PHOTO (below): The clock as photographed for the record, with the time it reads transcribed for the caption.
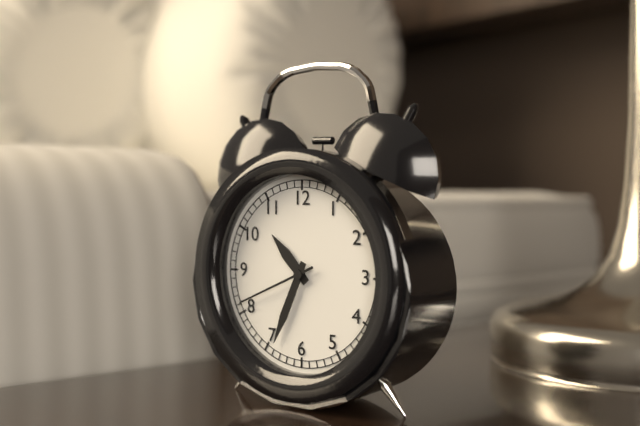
10:34:41
